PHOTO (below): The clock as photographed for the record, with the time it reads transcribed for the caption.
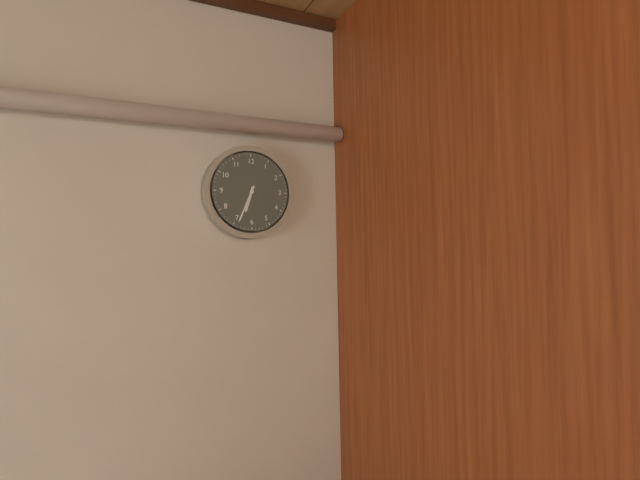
6:34
